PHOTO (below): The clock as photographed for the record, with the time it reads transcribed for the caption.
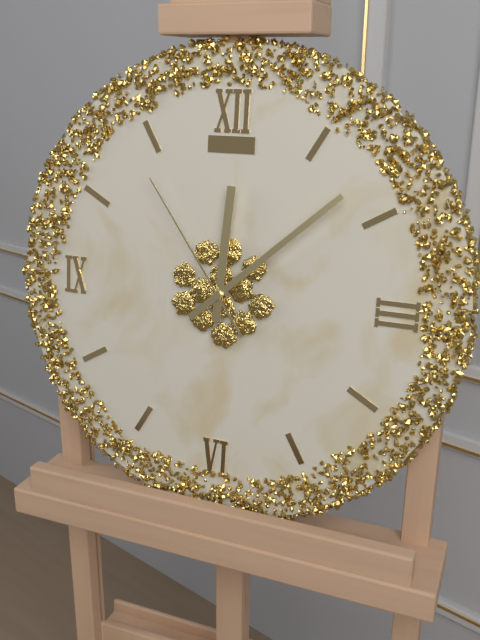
12:08:54
